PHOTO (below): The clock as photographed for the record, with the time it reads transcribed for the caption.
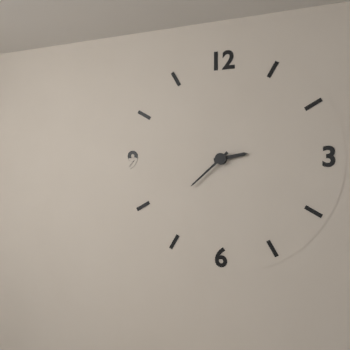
2:38
